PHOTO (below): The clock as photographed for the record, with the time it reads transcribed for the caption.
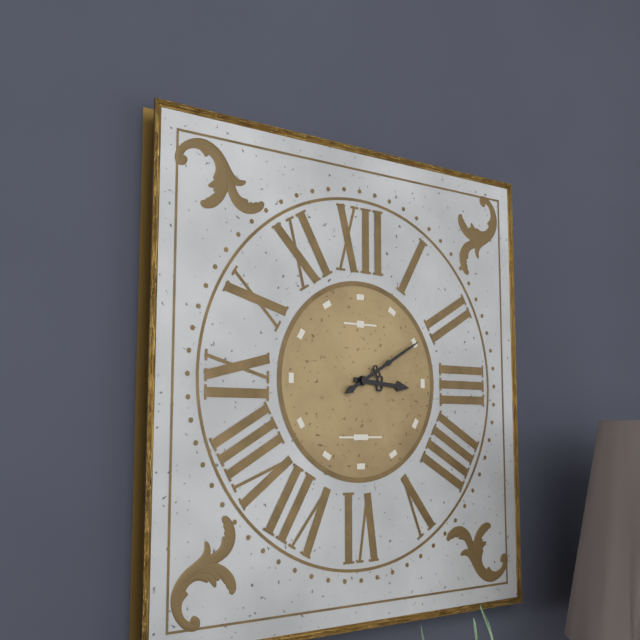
3:10
